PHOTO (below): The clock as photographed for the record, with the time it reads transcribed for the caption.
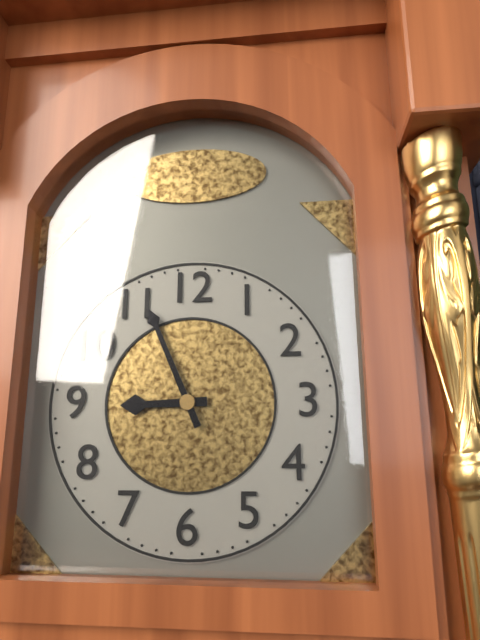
8:56
